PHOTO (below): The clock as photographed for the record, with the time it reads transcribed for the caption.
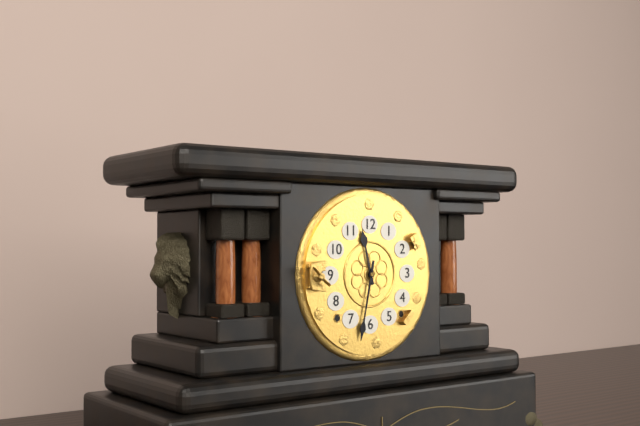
11:32
